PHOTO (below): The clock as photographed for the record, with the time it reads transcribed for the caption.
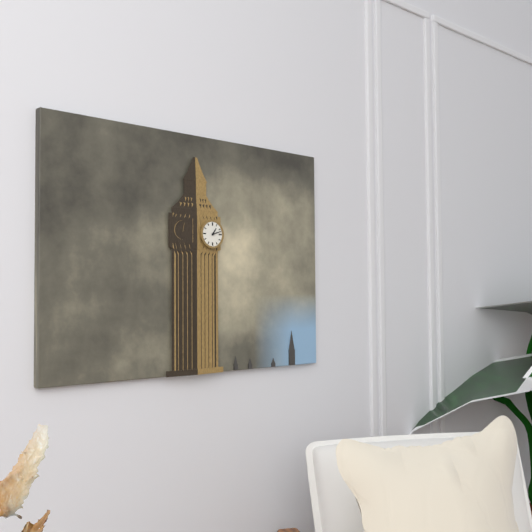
1:12
